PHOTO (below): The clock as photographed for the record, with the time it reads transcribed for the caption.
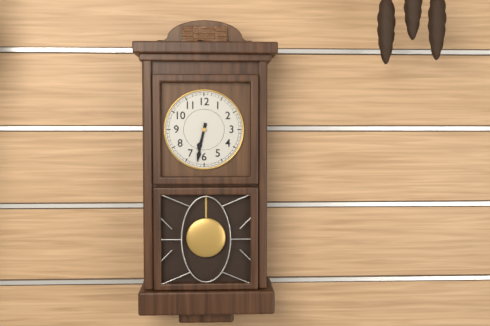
6:32
